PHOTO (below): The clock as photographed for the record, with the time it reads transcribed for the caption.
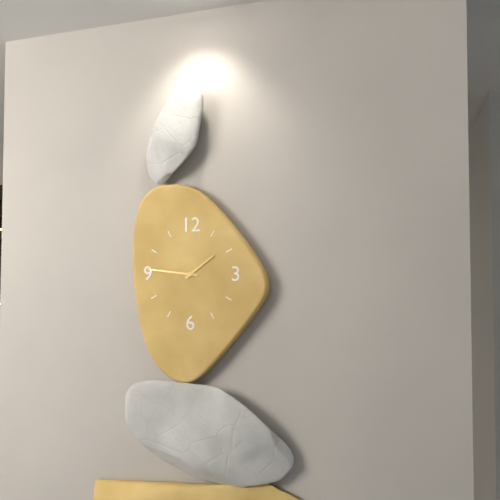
1:46
